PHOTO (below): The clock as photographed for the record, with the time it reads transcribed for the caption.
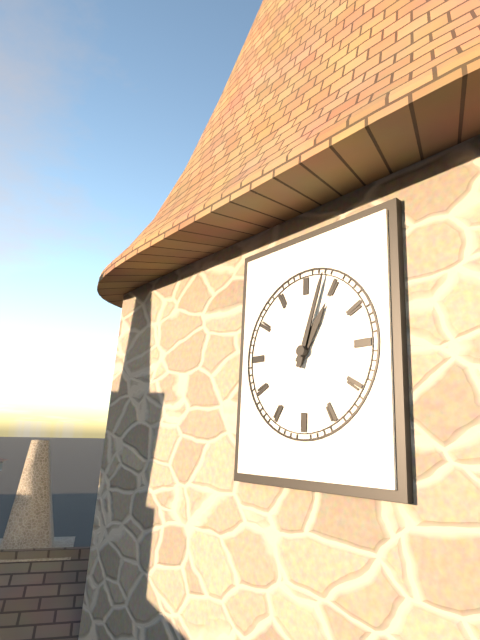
1:03
